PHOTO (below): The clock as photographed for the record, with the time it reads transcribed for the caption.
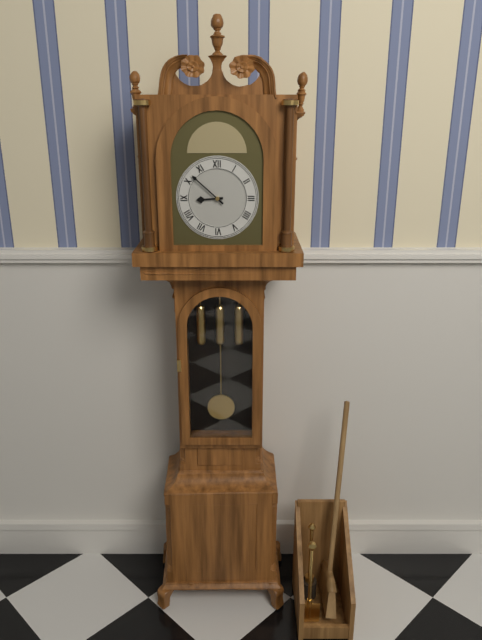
8:52
